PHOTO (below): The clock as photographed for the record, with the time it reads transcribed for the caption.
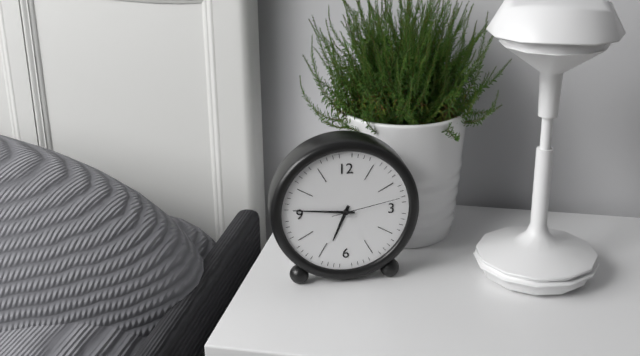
6:46:13
